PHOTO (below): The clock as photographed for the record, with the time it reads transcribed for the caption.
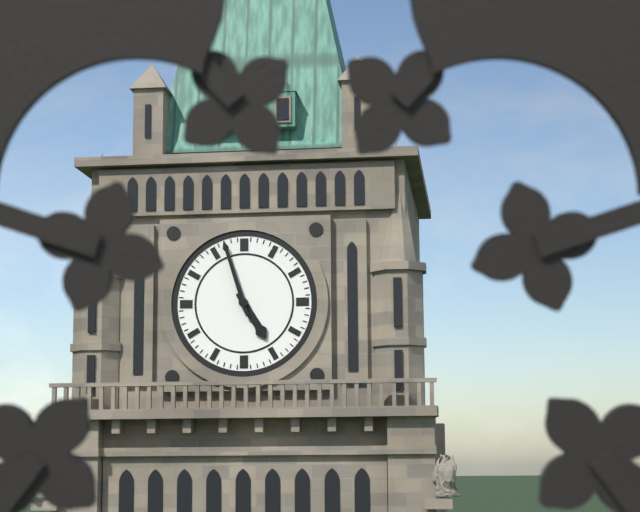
4:57
